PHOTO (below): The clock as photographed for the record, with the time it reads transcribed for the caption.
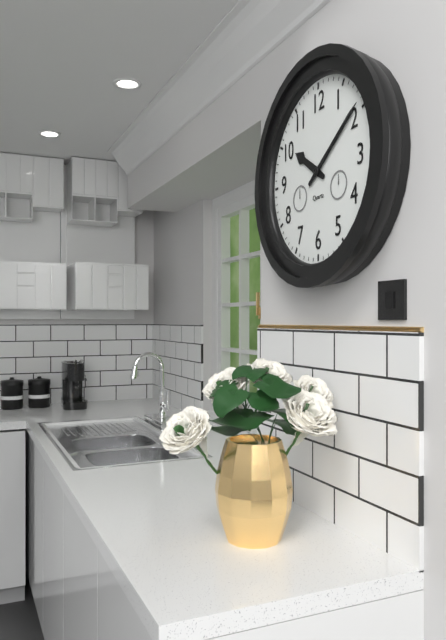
10:09
